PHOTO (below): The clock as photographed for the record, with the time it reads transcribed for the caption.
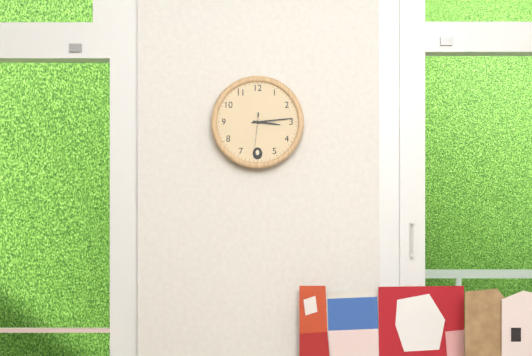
3:14
